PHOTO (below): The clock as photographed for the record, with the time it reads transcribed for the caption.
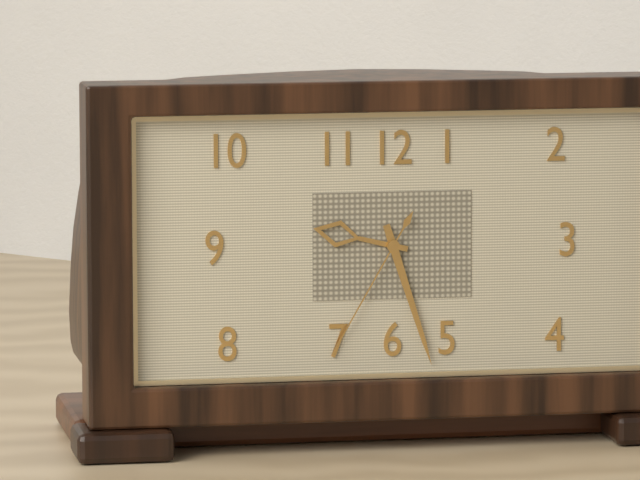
9:27:35
